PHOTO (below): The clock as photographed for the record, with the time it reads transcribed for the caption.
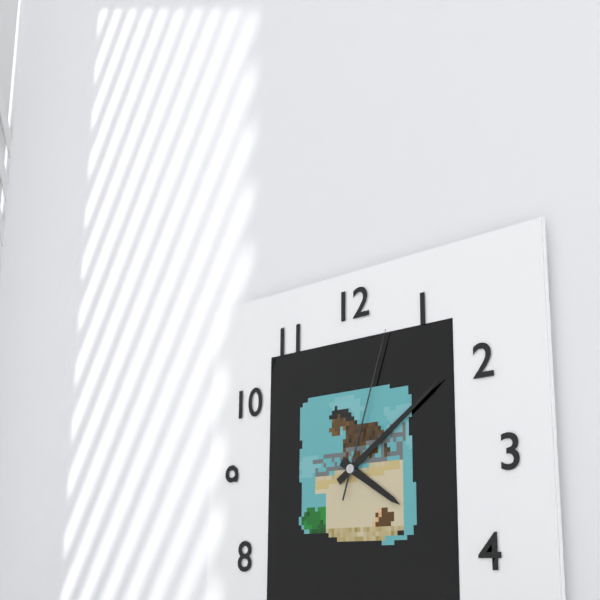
4:09:03
